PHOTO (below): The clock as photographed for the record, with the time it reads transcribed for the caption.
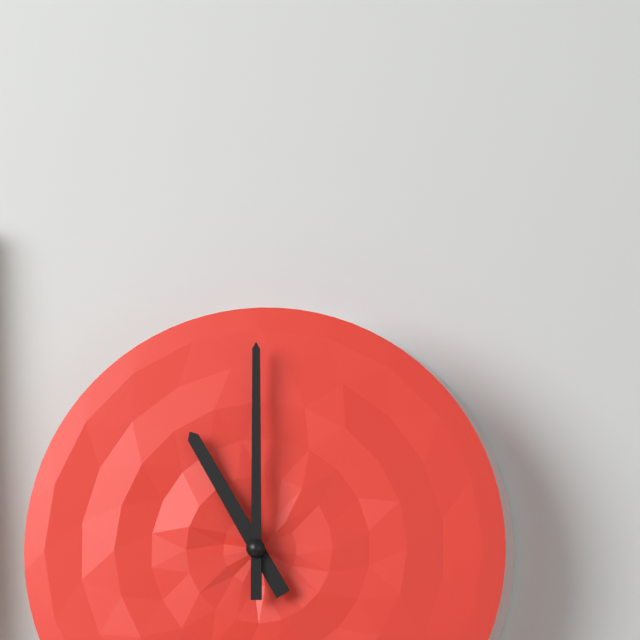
11:00
